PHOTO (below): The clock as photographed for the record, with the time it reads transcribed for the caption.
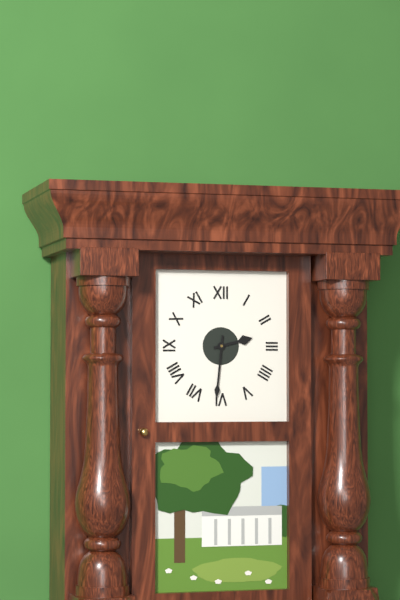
2:31
